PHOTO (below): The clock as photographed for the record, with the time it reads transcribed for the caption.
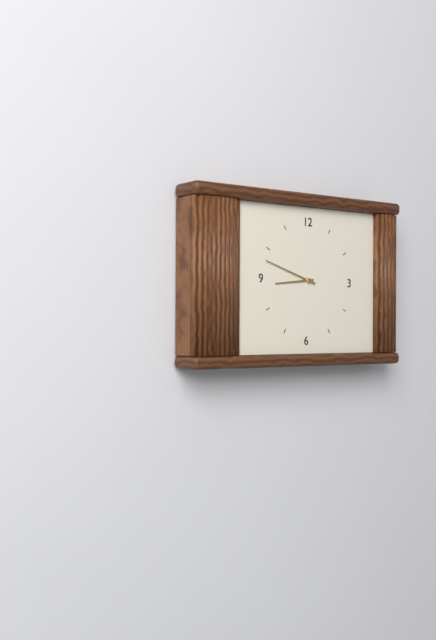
8:48
